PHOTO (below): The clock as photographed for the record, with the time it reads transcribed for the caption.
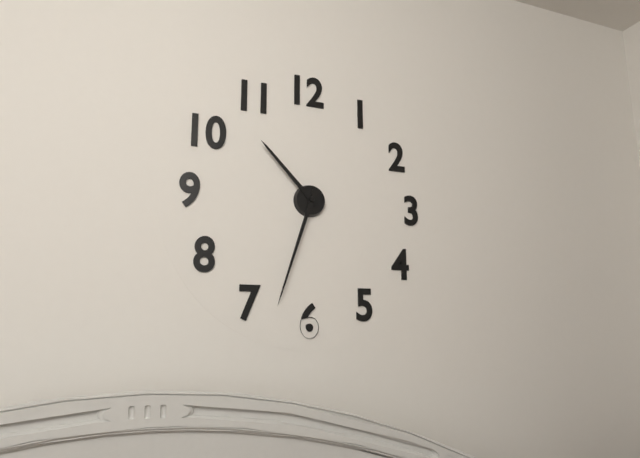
10:33
